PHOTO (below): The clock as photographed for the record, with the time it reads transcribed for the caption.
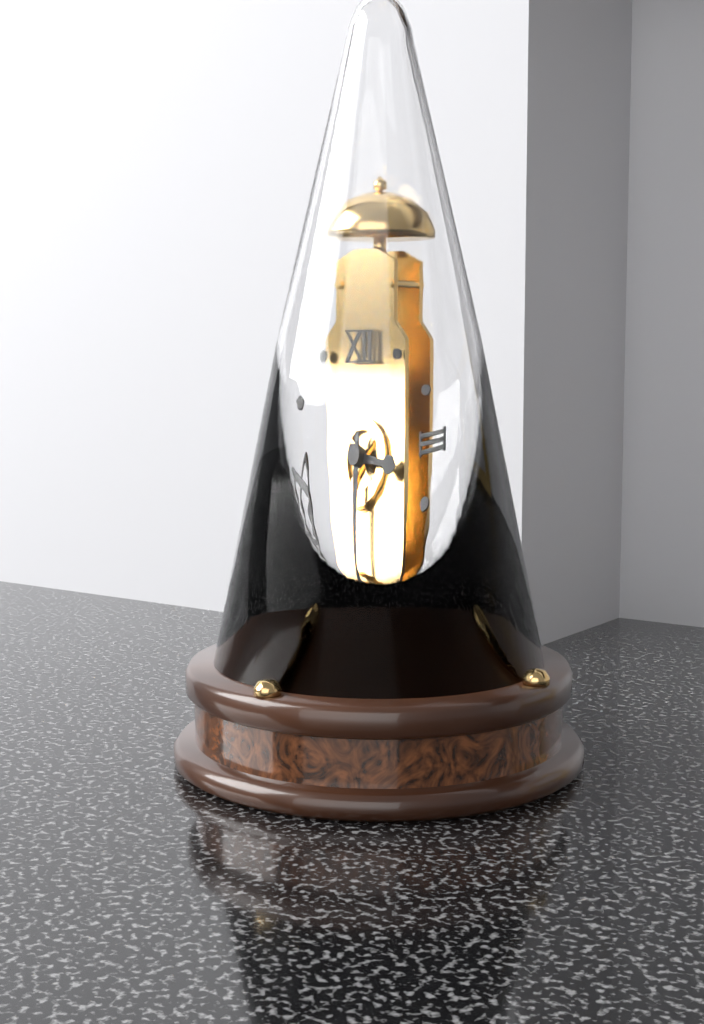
3:31
